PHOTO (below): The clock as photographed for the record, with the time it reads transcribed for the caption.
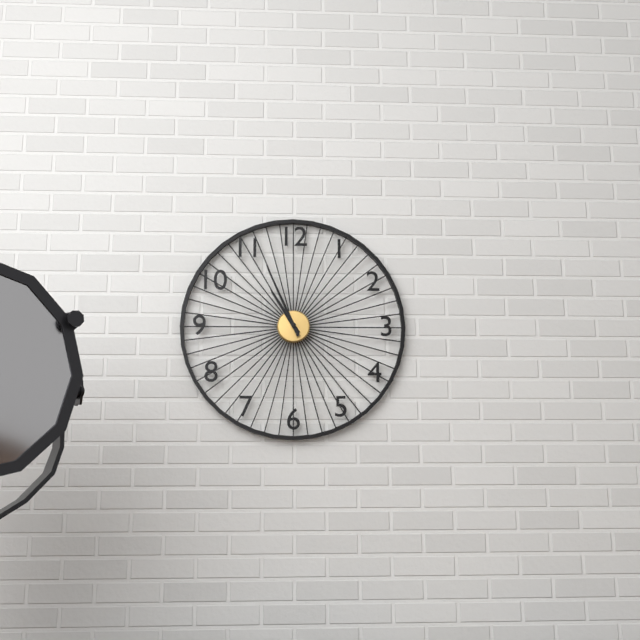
10:56
